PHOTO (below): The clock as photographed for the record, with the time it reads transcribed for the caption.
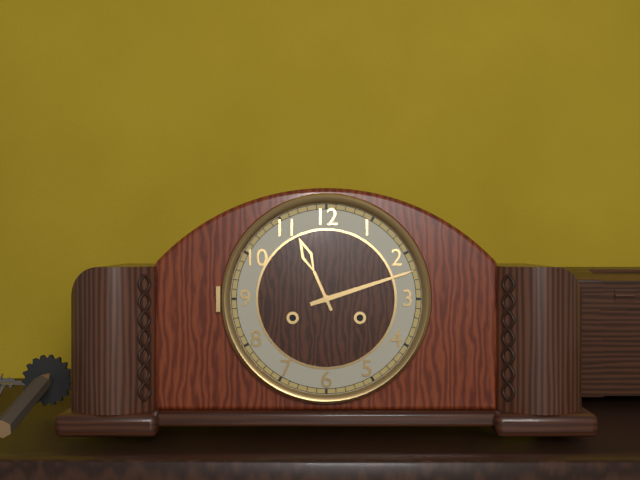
11:12
